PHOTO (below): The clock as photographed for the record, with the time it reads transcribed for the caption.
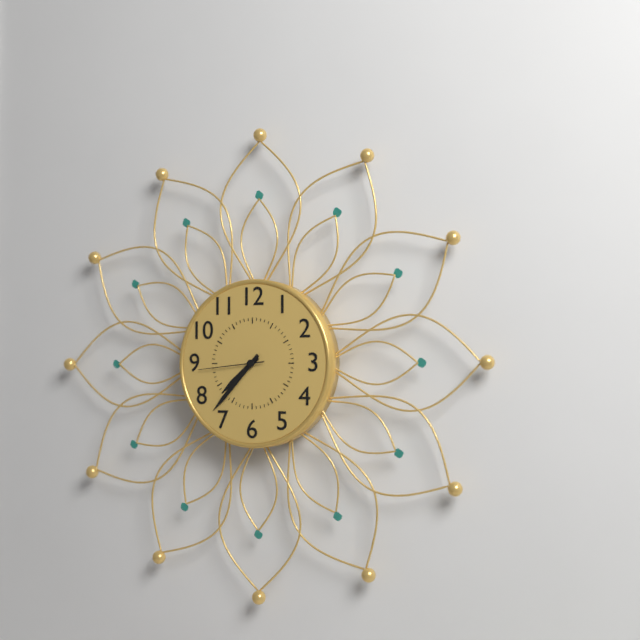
7:37:44
